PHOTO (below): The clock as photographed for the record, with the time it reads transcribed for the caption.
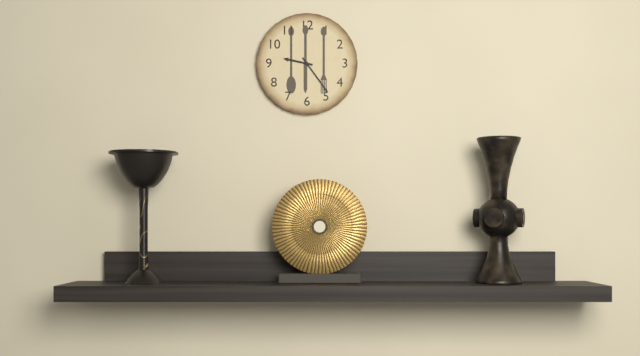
9:24
